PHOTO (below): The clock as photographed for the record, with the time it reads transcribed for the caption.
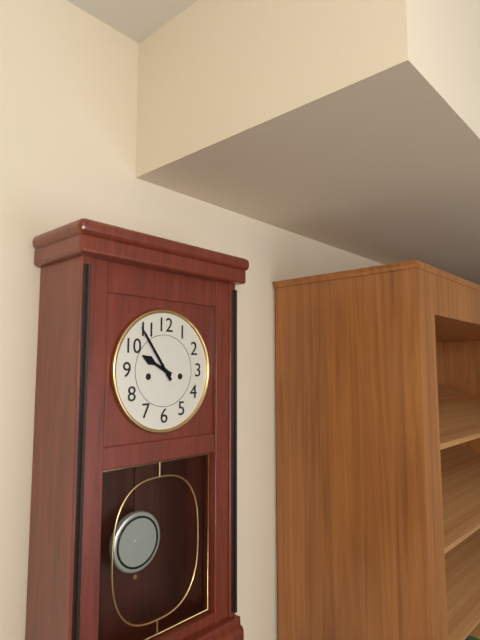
9:54
